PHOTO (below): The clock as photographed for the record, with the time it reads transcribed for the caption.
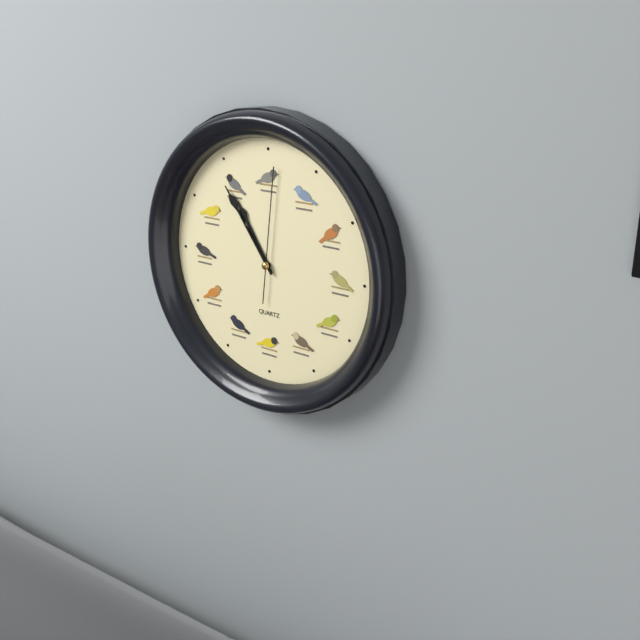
10:54:01
